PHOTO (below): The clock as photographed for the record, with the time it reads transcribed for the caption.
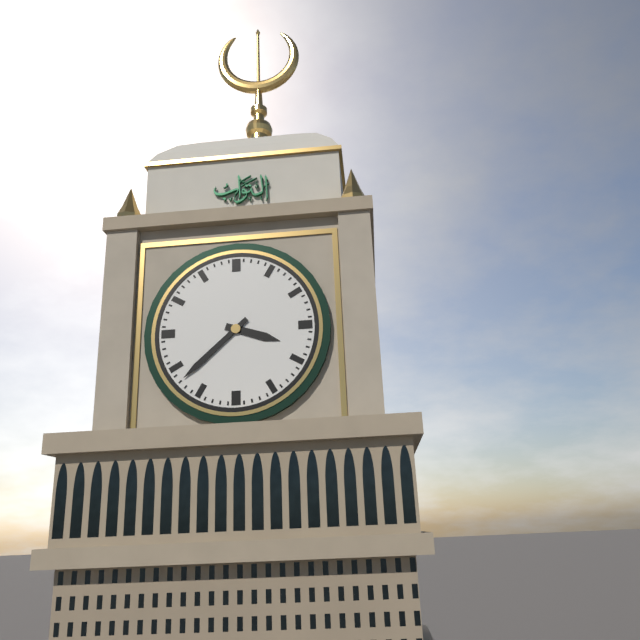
3:38
